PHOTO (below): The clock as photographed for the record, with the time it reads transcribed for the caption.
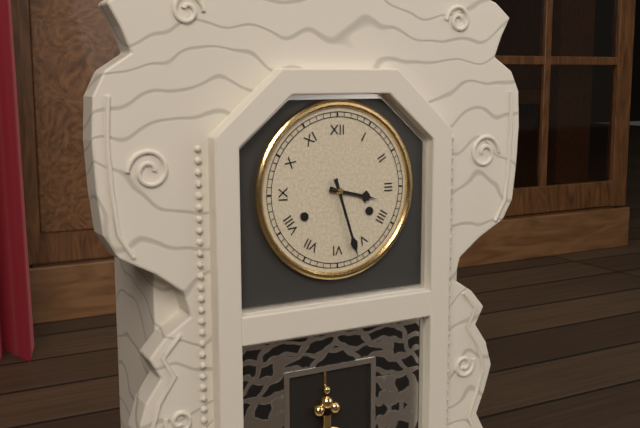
3:27
